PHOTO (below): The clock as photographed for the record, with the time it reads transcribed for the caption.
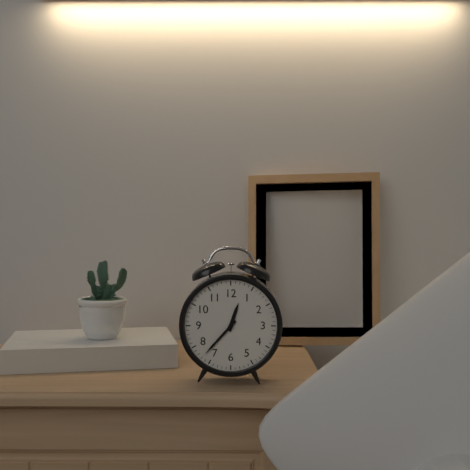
12:37
